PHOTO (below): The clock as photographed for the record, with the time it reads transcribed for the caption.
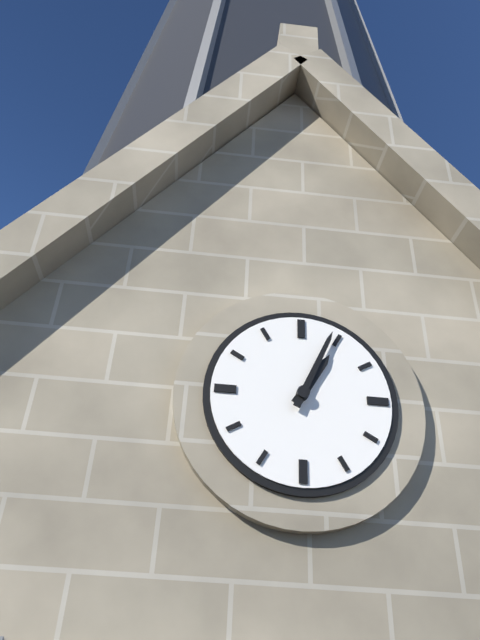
1:04
